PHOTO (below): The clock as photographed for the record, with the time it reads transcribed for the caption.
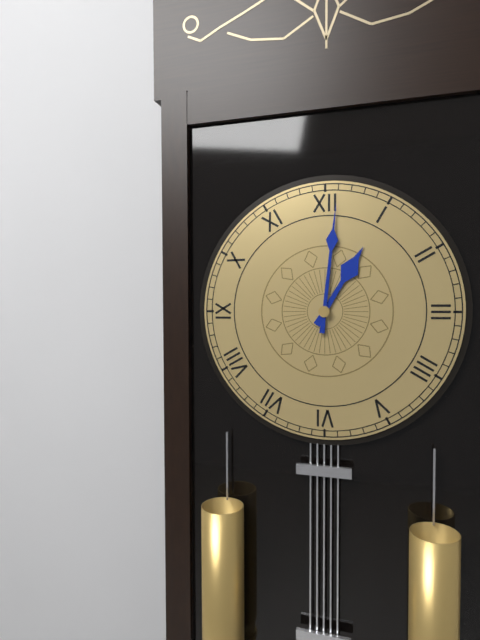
1:01
